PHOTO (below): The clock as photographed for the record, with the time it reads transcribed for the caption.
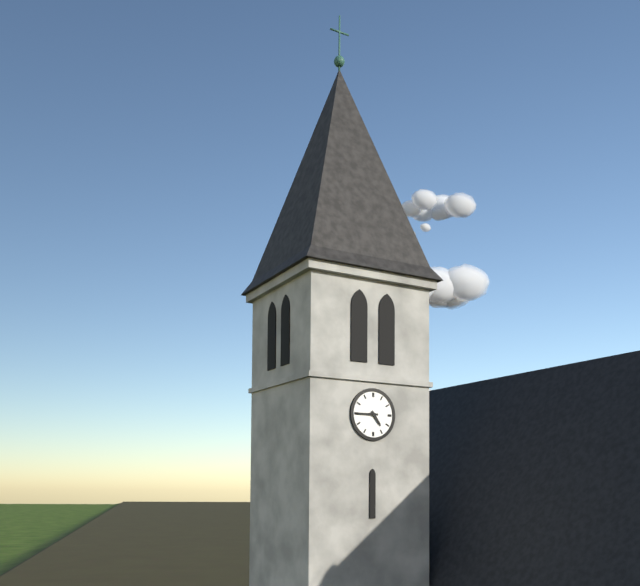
4:45
